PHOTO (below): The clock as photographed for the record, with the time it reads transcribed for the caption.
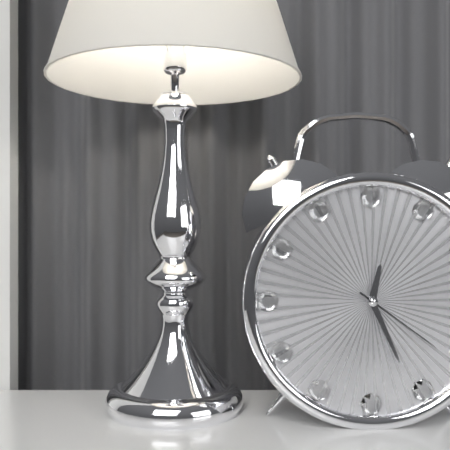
12:26:21
